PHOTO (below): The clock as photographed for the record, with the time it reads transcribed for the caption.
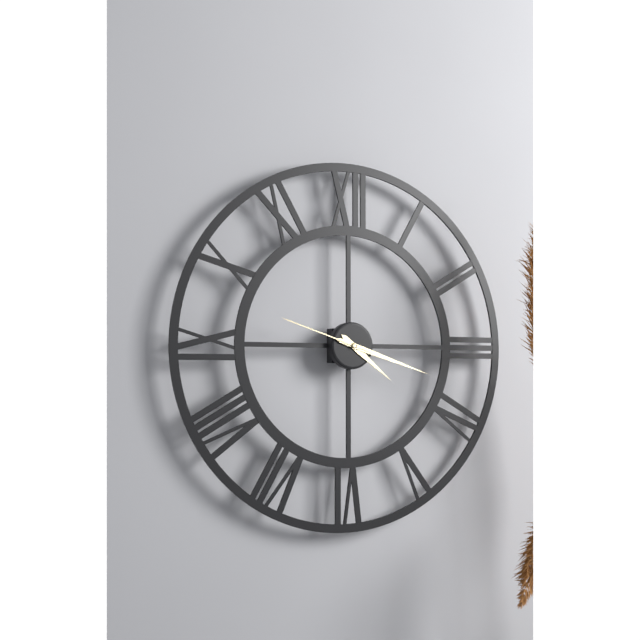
4:18:48
